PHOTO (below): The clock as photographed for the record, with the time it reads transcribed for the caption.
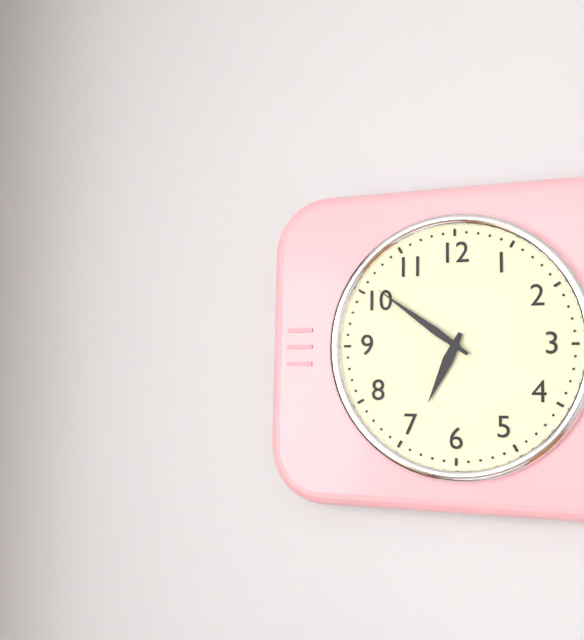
6:51
